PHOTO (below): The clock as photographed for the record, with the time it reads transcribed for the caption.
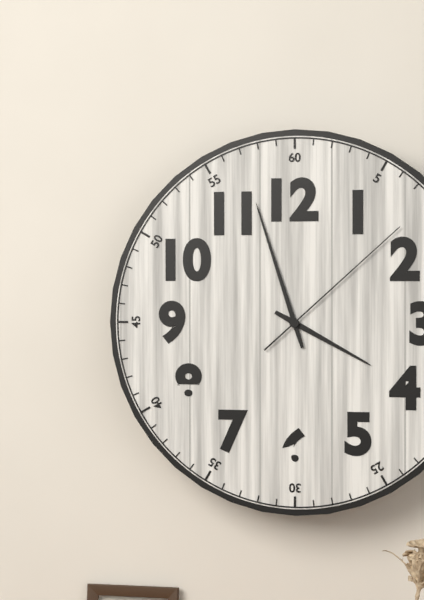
3:57:08
